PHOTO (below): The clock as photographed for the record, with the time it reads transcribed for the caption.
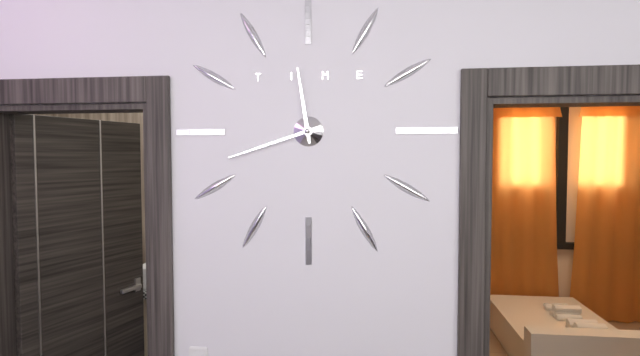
11:42
